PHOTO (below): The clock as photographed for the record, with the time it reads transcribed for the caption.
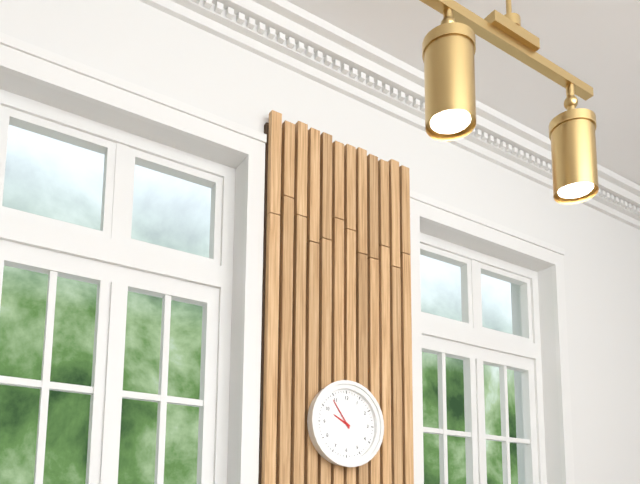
9:54
